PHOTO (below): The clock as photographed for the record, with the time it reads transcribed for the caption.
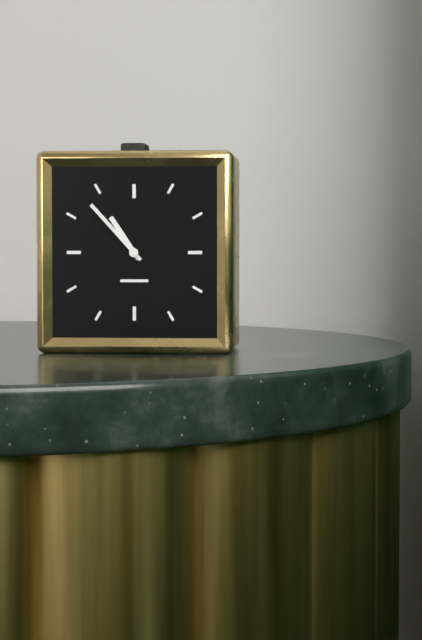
10:53
